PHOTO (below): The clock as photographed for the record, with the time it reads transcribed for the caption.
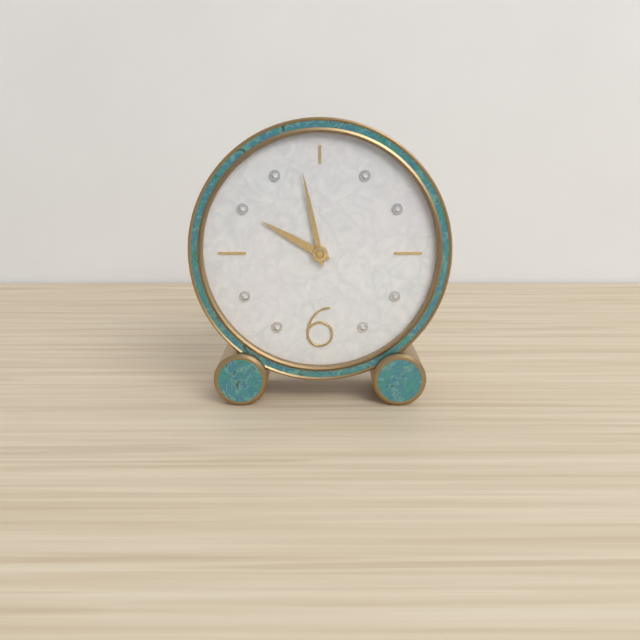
9:58
